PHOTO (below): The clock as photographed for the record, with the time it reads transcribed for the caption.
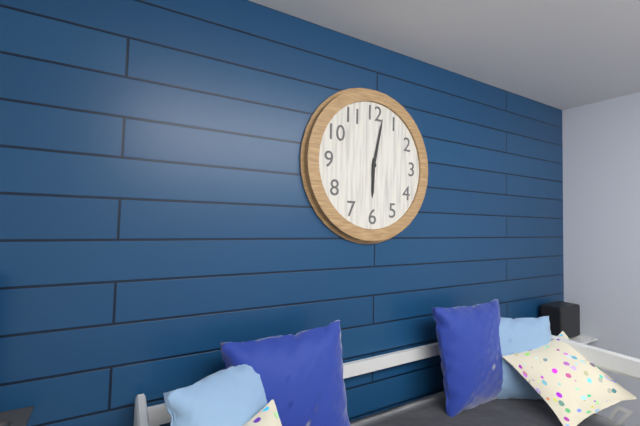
6:02
